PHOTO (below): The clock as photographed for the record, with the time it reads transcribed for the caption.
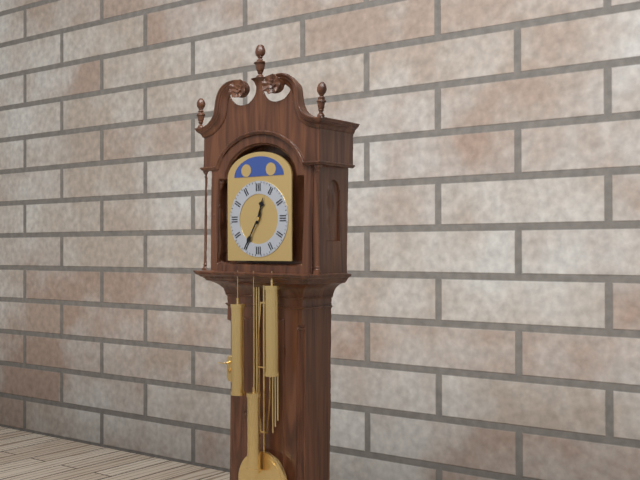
12:35
